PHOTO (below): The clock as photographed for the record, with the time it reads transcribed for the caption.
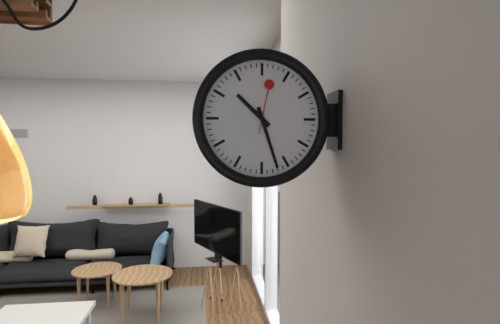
10:27:02
